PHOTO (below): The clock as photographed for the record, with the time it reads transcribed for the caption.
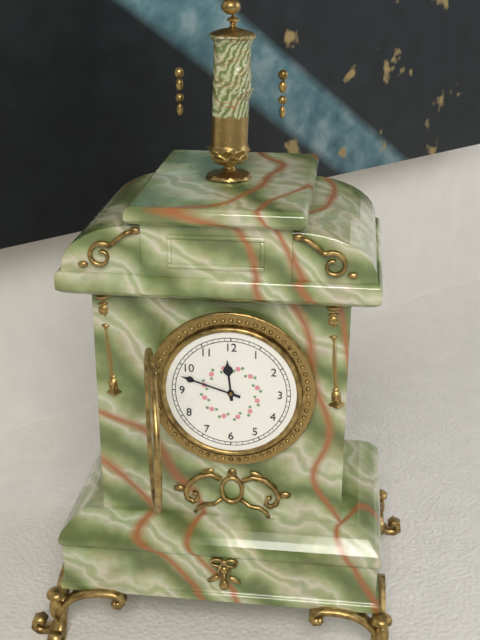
11:48
